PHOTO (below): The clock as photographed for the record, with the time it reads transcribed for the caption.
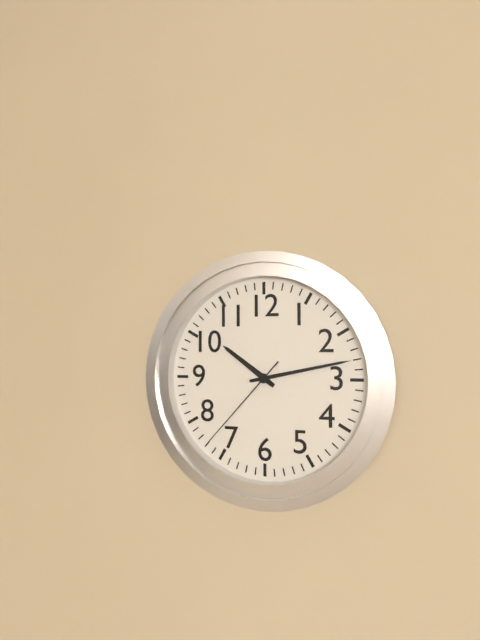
10:13:37
